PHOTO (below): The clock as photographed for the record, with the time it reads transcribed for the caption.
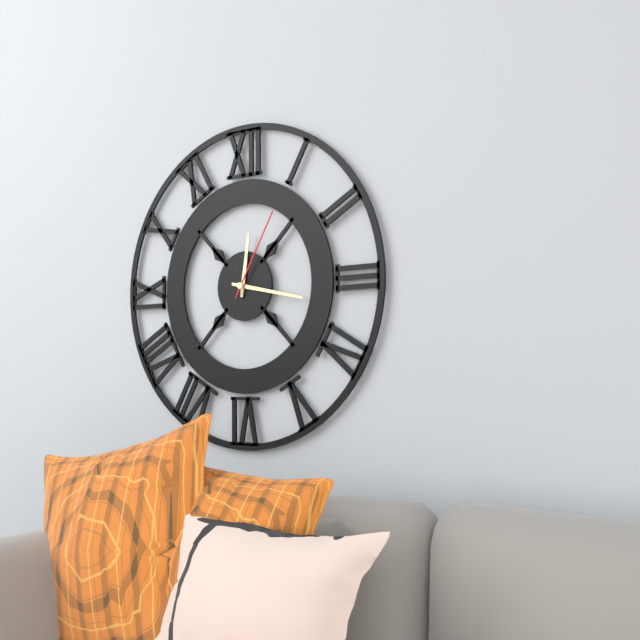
12:17:05
